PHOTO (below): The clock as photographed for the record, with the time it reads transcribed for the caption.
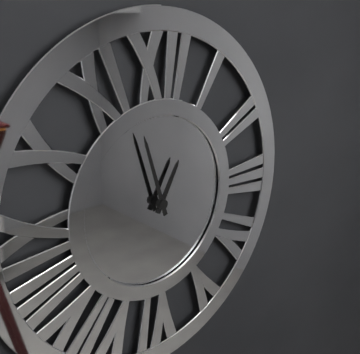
12:57
